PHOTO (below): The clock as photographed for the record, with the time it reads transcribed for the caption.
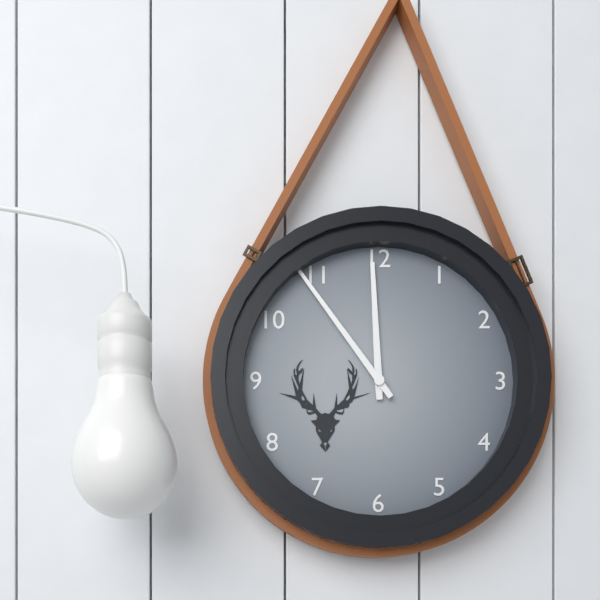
11:54
